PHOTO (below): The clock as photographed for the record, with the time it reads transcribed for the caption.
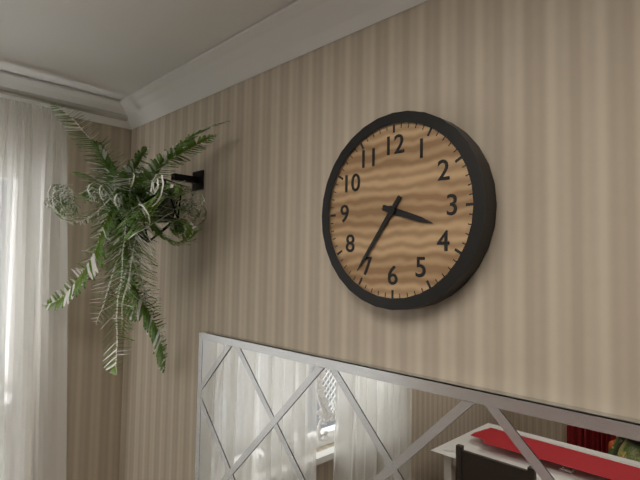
3:36
